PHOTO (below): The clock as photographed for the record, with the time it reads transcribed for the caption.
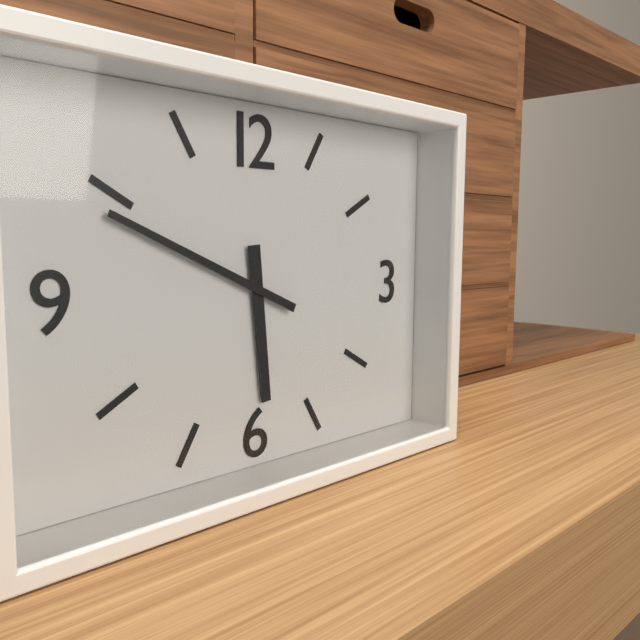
5:49
